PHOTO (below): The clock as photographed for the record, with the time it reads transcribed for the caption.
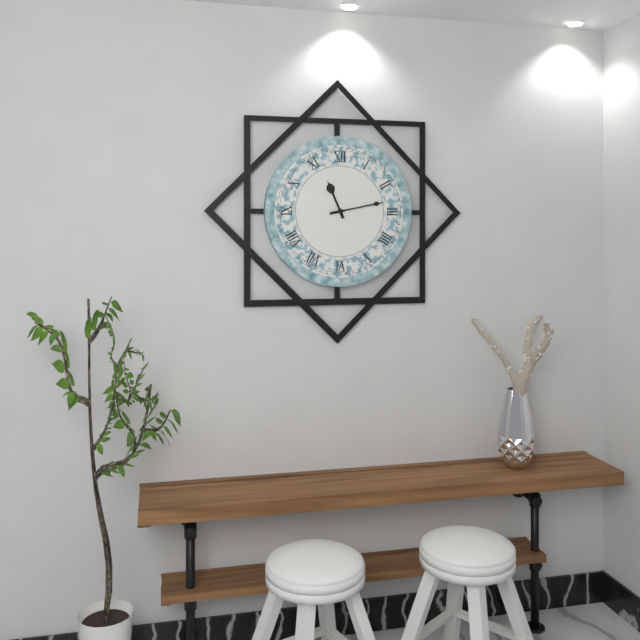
11:13
